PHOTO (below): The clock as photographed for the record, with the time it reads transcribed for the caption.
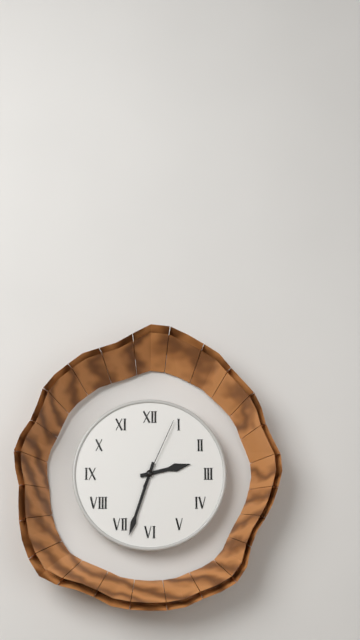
2:33:04
